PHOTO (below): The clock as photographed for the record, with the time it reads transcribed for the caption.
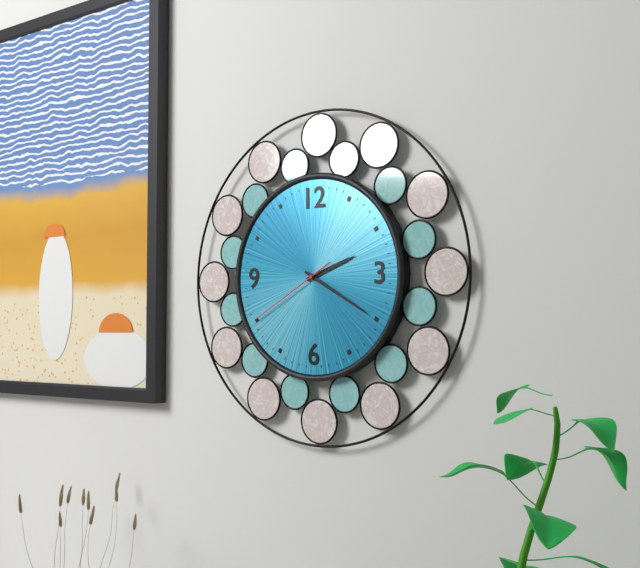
2:20:40
